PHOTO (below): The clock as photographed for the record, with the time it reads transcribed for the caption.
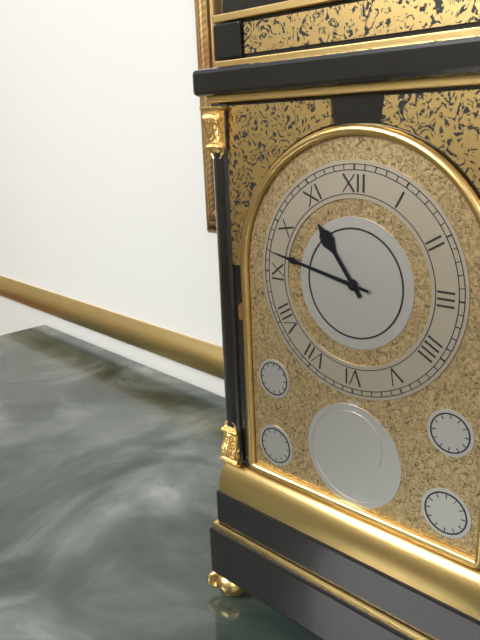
10:47
